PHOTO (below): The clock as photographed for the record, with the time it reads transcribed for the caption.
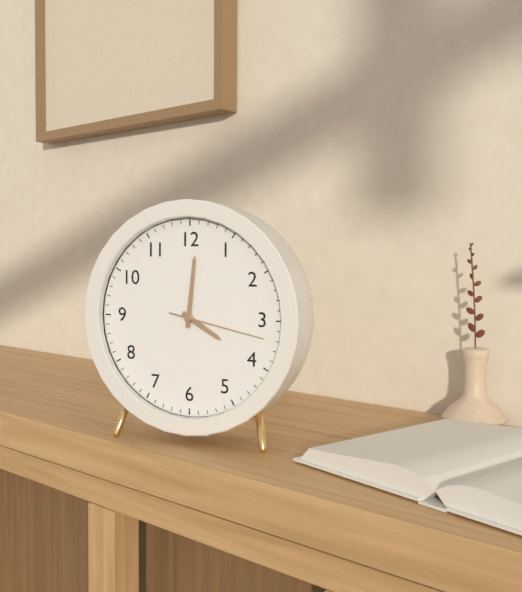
4:01:17
